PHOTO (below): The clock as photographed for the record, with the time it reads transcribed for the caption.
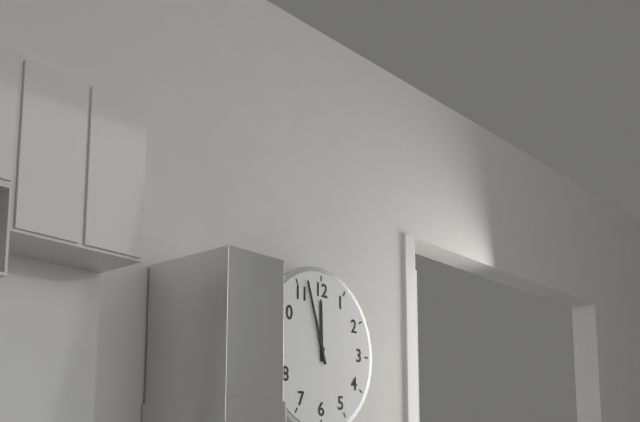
11:57
